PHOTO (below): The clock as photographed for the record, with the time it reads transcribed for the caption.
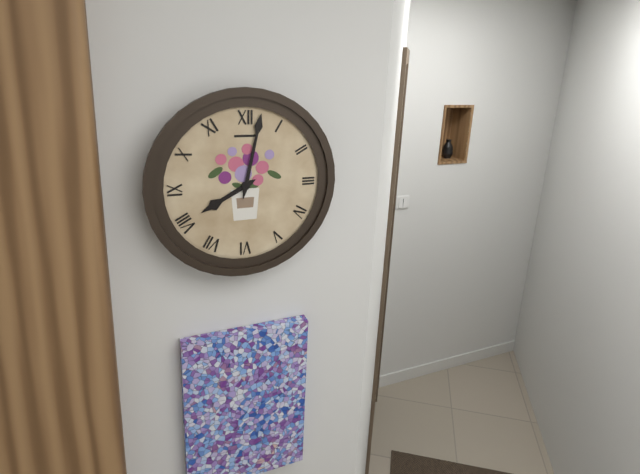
8:02
